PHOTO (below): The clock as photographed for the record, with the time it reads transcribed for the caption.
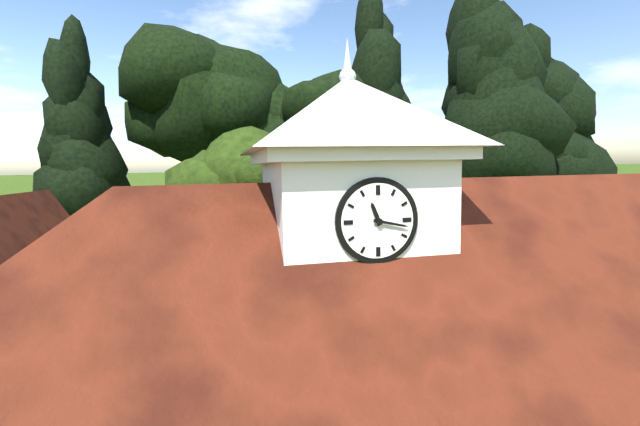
11:17
